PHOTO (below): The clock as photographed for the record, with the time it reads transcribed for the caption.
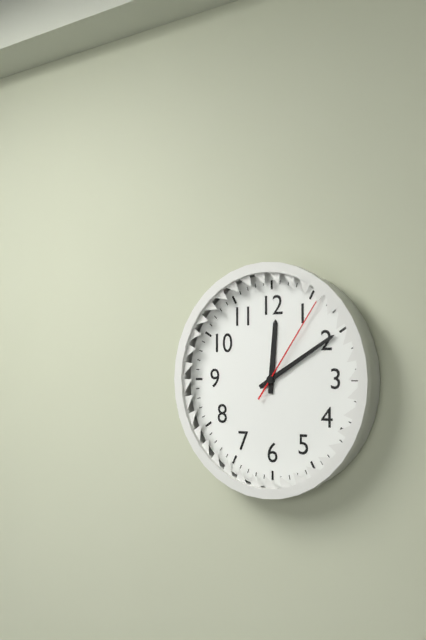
12:10:06
